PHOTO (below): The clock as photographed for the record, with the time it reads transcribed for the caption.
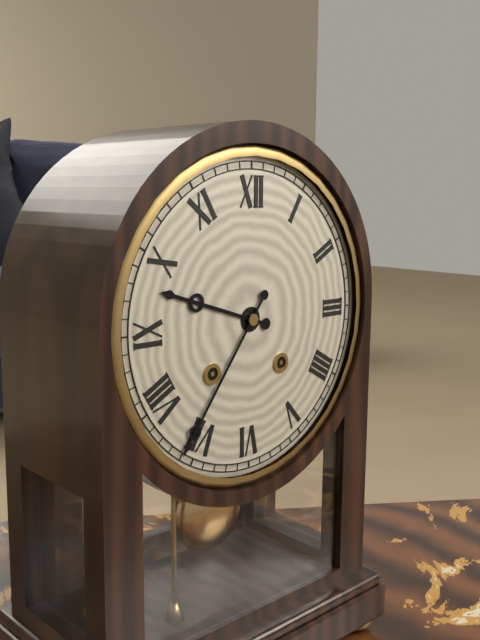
9:36
